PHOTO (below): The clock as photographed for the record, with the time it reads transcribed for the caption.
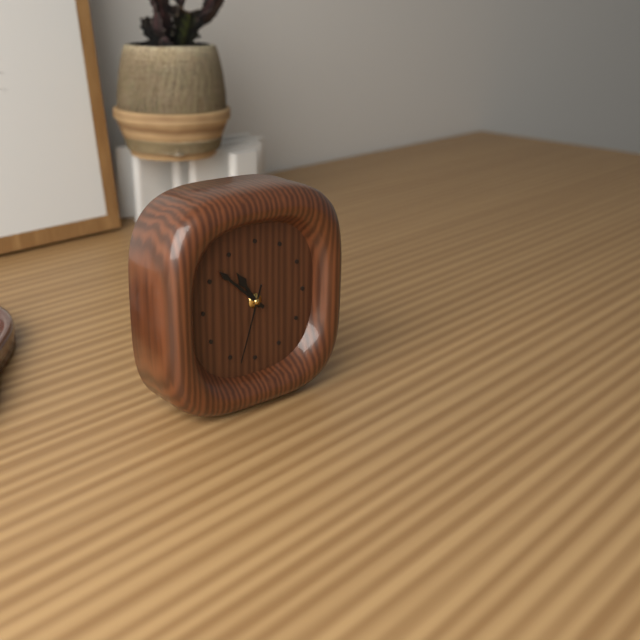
10:52:33
